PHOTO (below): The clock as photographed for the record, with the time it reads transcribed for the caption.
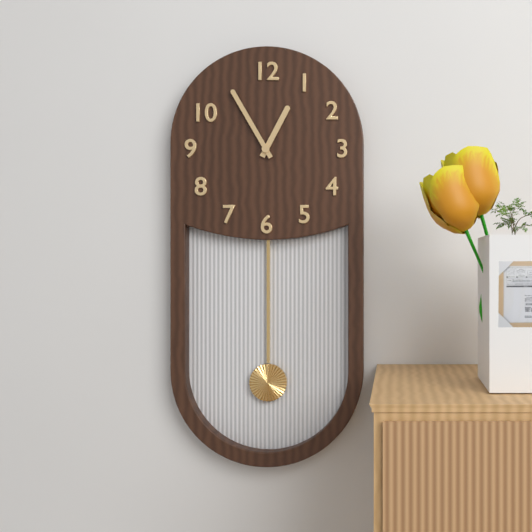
12:55
